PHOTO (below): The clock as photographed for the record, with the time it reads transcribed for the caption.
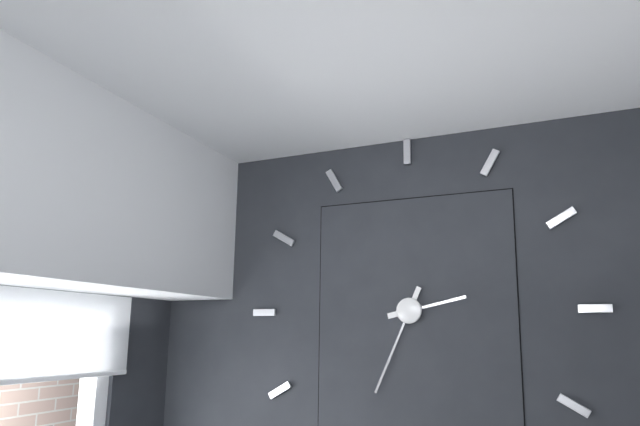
2:34
